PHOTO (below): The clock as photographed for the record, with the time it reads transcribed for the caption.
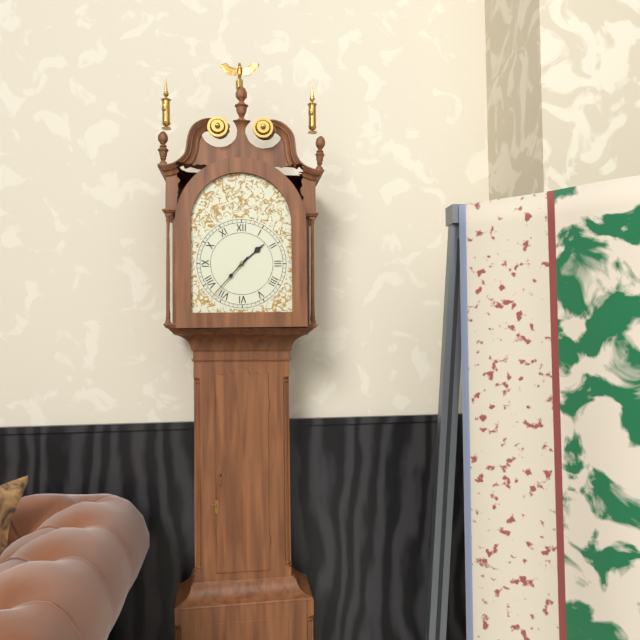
1:37
